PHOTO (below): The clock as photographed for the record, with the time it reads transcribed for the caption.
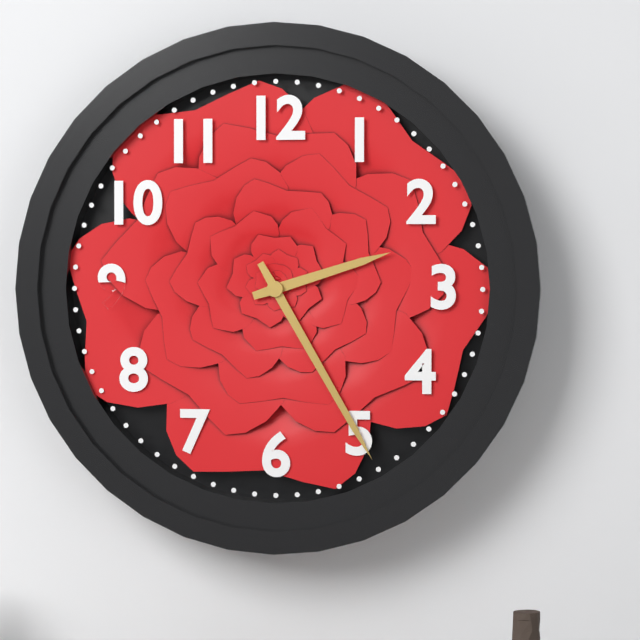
2:25
